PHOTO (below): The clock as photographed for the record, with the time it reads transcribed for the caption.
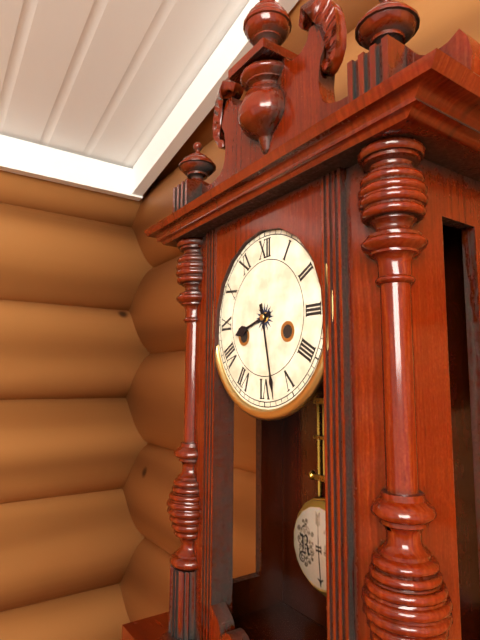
8:28
